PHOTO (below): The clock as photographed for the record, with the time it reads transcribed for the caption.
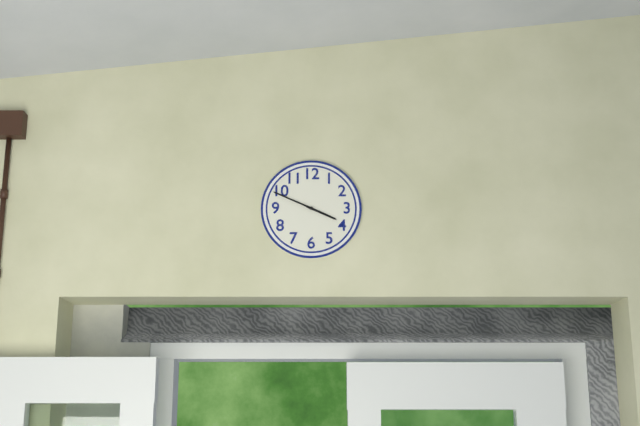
3:49
